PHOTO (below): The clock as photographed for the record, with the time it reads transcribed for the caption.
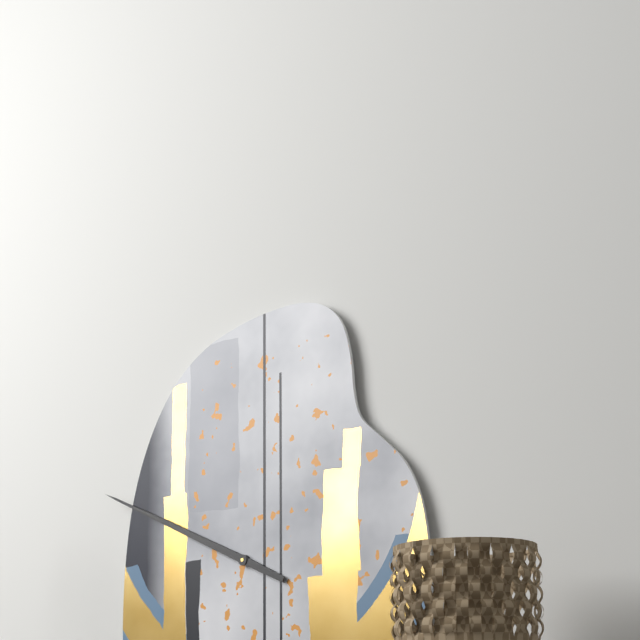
9:49
